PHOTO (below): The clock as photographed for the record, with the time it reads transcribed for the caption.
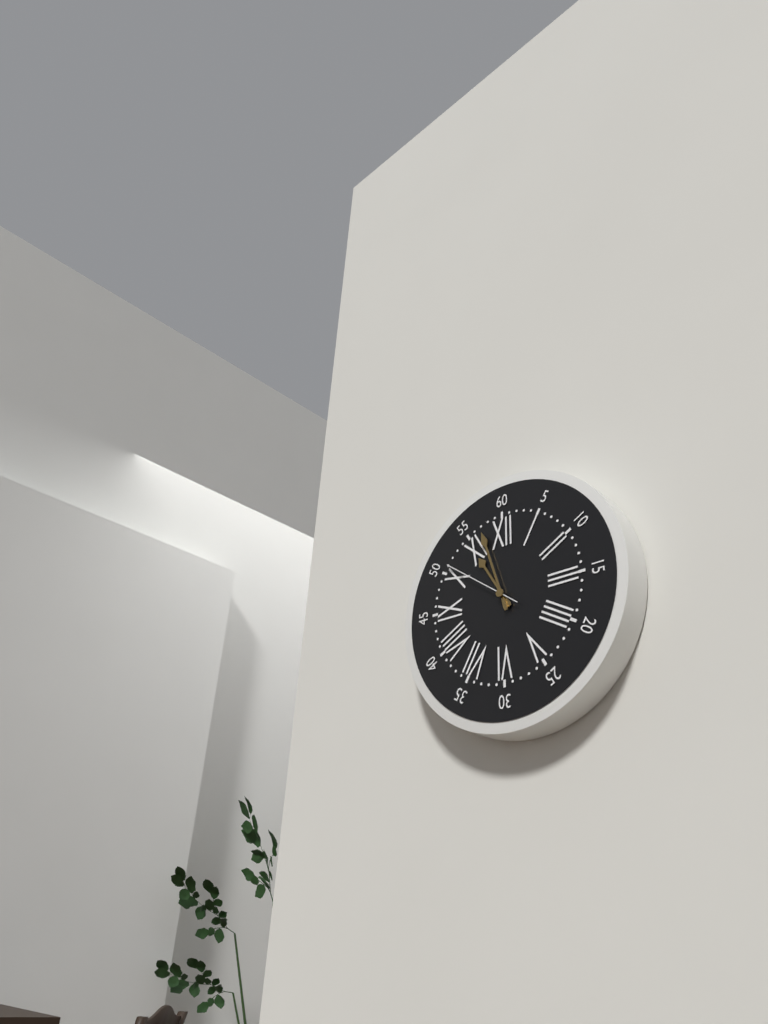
10:57:51
